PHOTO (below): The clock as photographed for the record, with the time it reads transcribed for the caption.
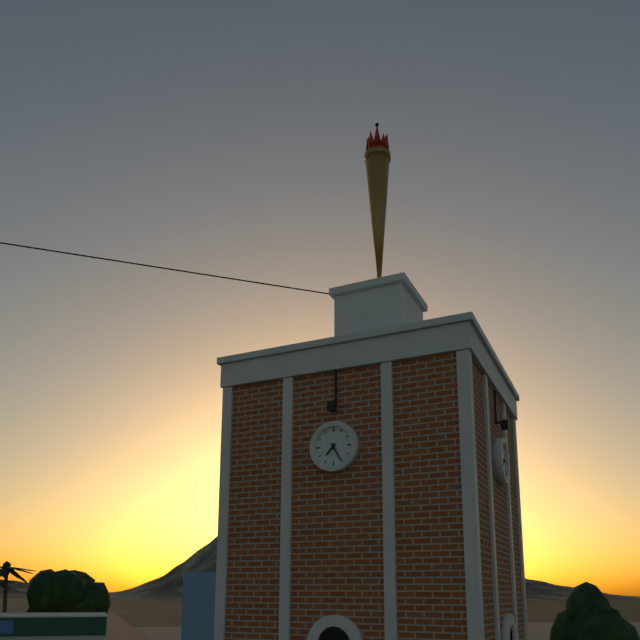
7:25
